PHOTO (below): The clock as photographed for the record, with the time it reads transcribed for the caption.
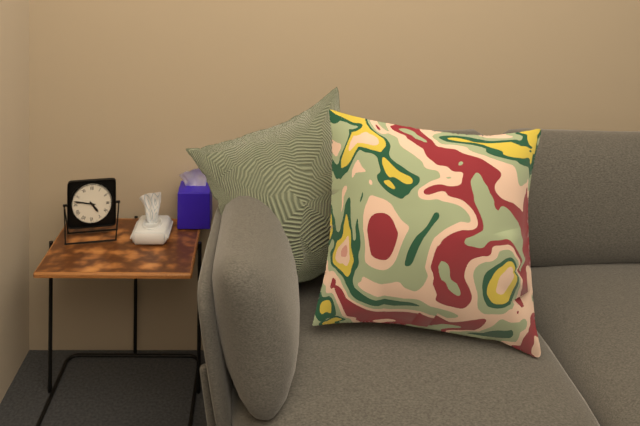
4:47
